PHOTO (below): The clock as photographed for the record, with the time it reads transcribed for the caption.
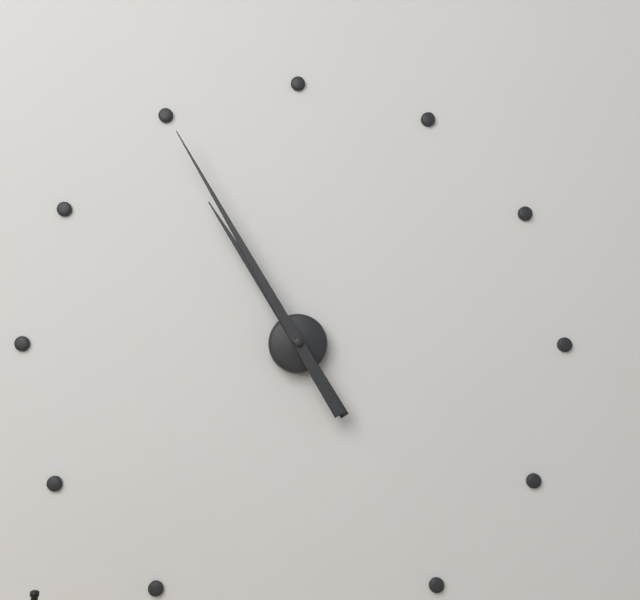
10:55
